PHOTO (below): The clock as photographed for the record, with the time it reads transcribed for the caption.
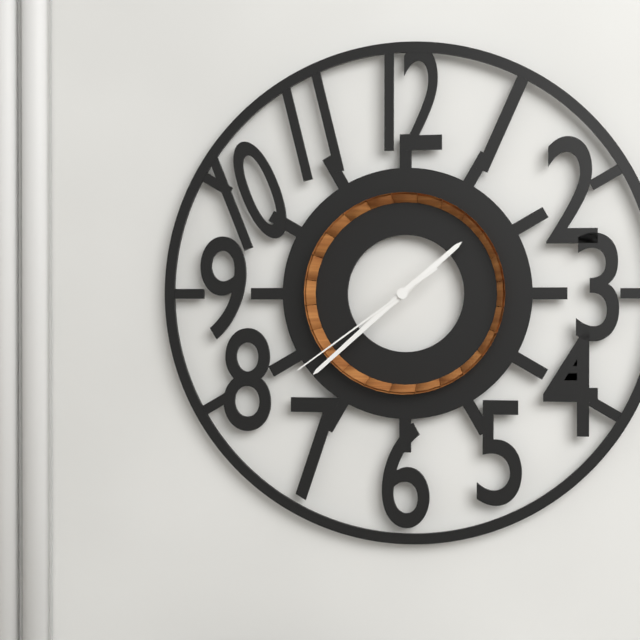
1:38:39
